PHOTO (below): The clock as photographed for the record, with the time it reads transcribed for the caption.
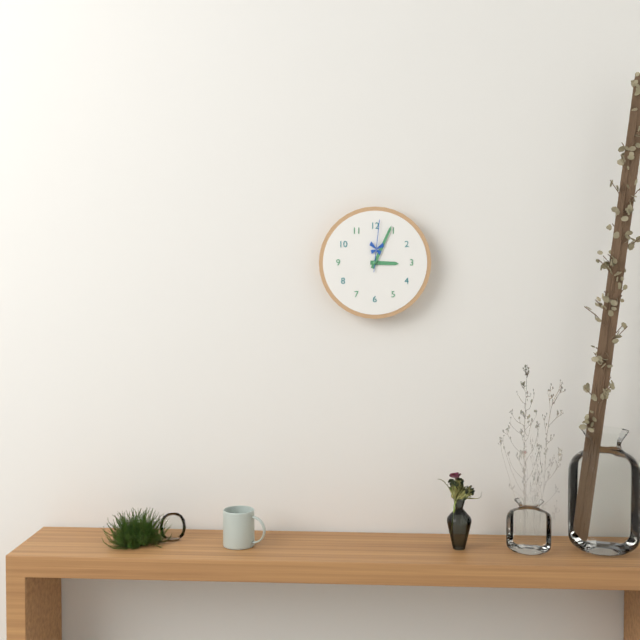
3:04:01
